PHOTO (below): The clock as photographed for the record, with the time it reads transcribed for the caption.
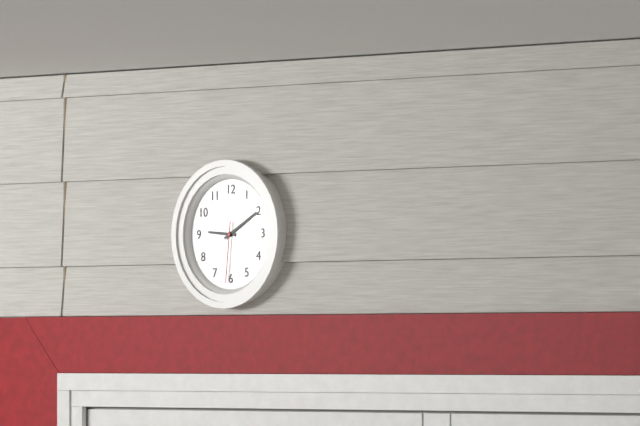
9:10:31
